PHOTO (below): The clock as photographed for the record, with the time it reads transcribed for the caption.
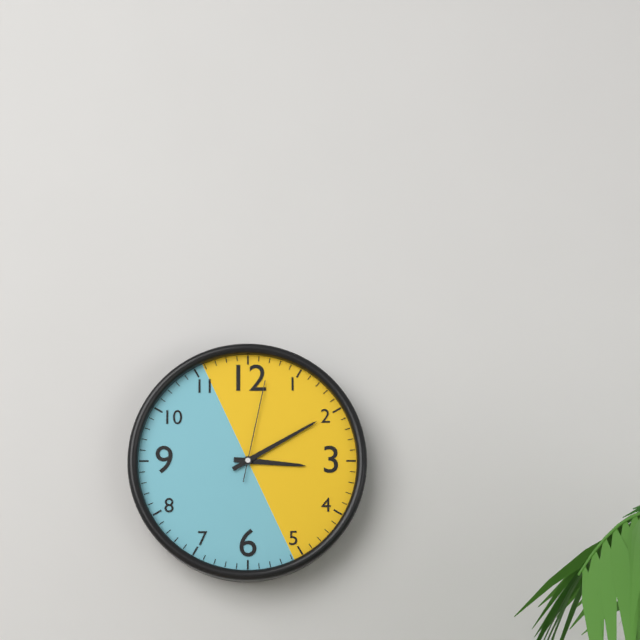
3:10:02
